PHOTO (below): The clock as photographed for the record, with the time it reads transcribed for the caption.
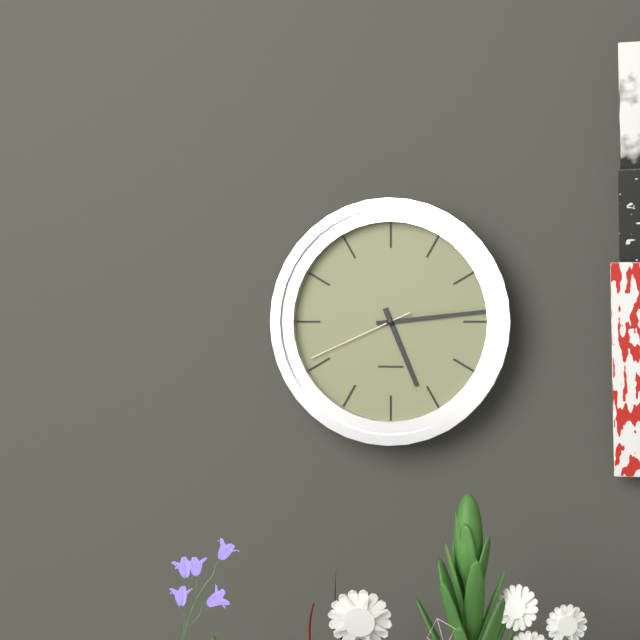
5:14:41
